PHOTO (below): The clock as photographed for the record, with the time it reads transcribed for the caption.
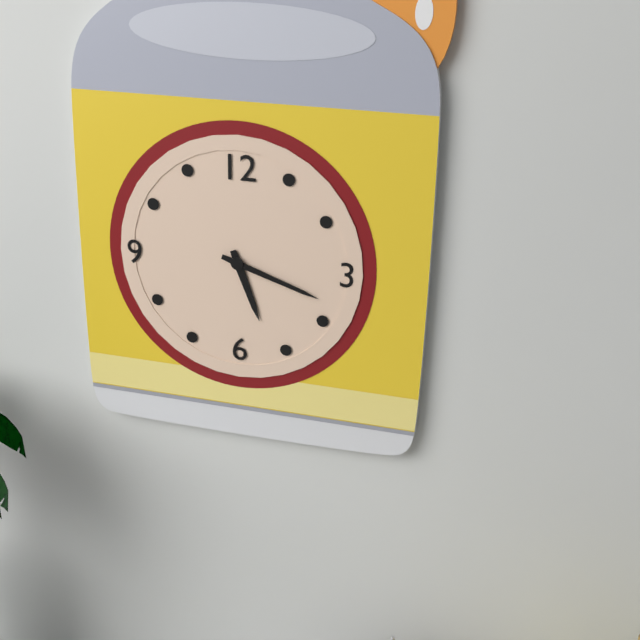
5:18
